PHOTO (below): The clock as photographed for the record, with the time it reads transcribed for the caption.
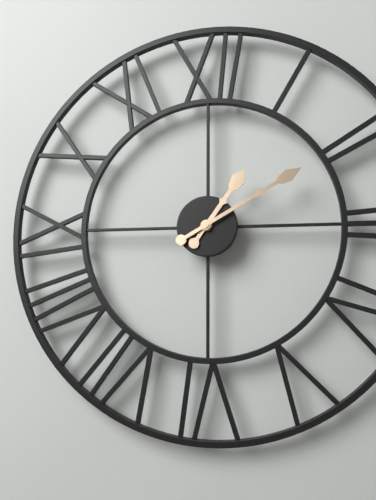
1:10
